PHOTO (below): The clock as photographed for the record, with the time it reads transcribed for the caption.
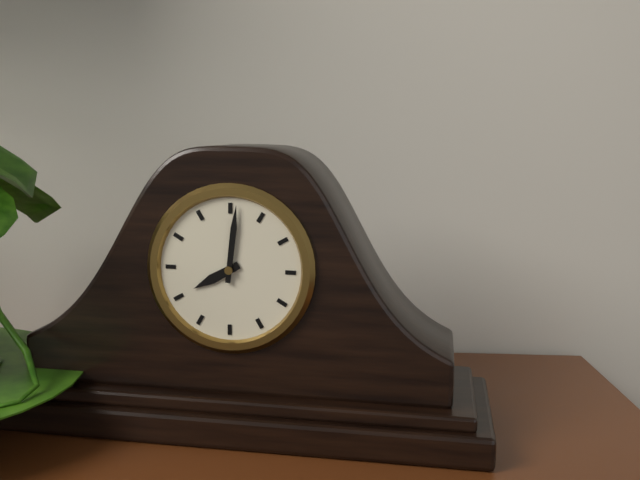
8:01
